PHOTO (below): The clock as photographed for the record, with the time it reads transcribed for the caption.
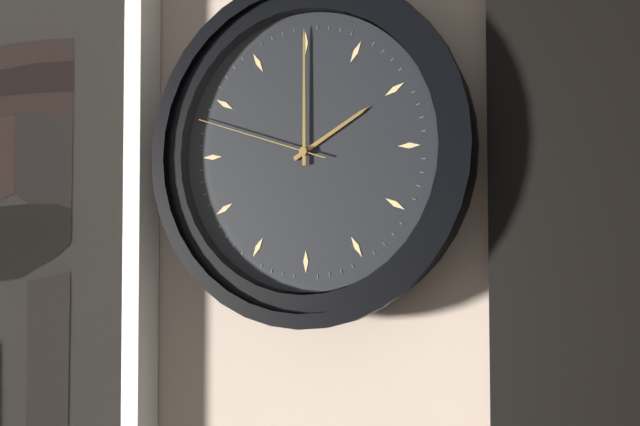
2:00:48
